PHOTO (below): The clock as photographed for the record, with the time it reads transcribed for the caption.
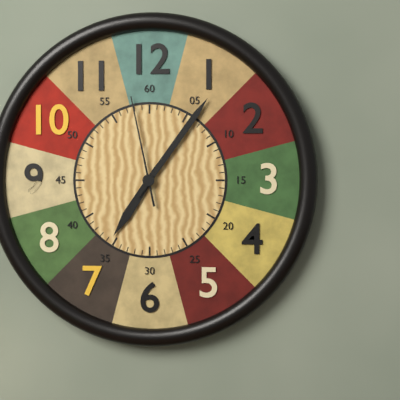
7:06:58
